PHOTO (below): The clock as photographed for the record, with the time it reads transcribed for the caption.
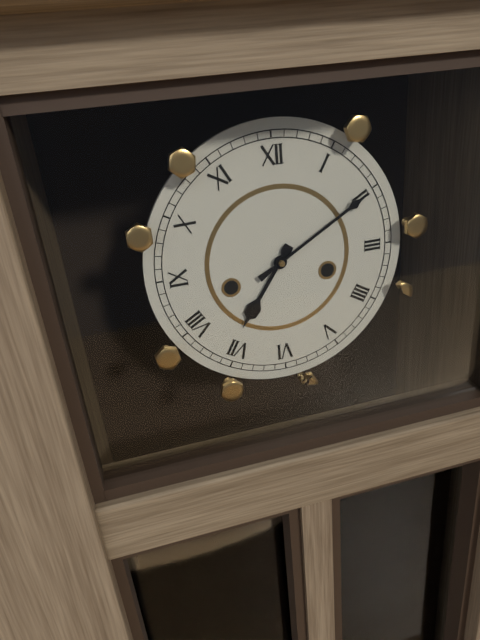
7:10
